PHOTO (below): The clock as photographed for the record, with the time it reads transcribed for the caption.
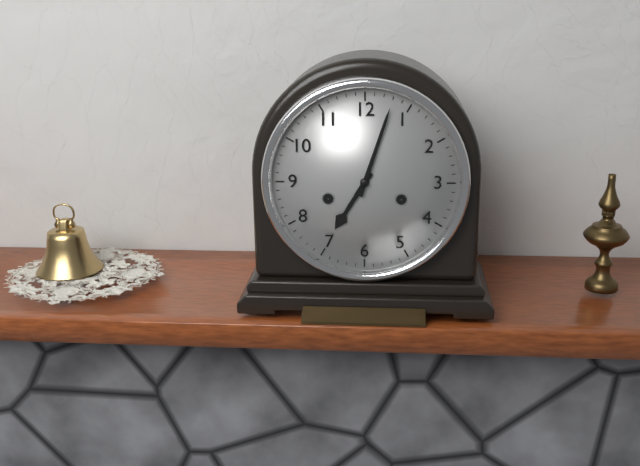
7:03
